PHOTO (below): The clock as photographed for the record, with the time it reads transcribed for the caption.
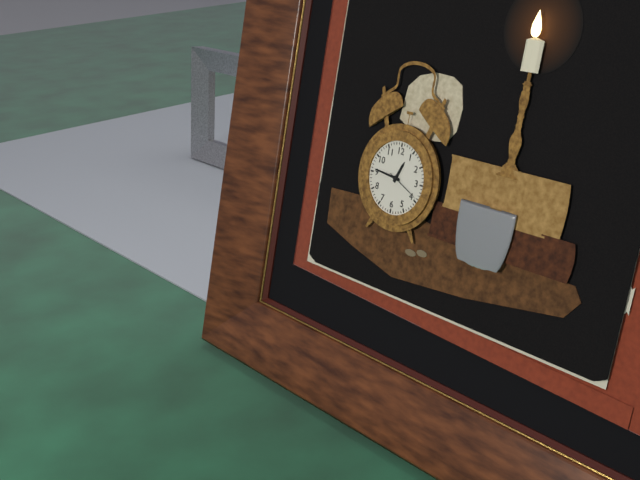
12:46
